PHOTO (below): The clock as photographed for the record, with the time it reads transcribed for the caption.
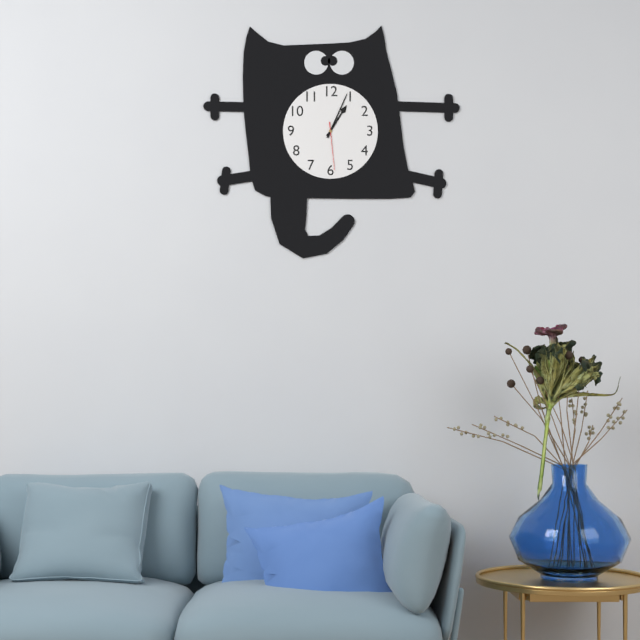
1:04
